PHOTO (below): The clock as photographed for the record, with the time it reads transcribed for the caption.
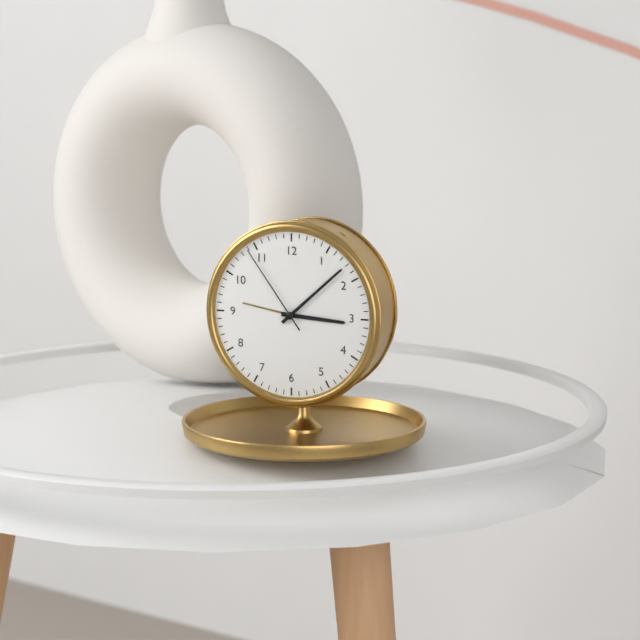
3:08:54
